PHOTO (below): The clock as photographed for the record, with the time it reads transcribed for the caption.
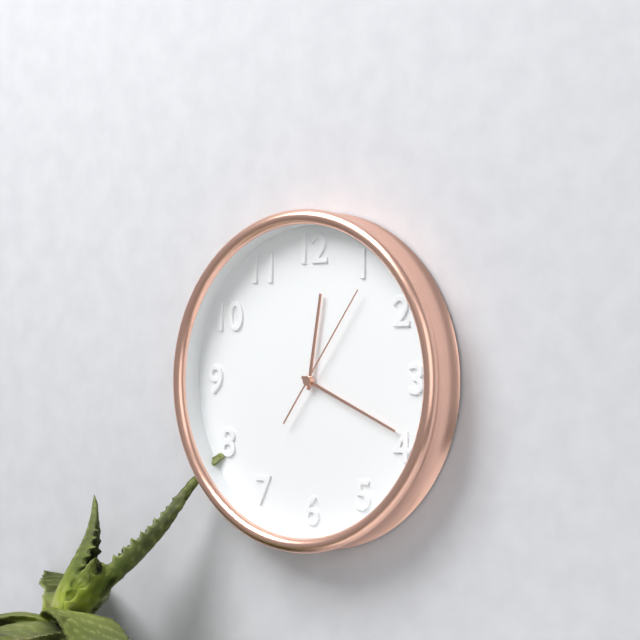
12:19:06
